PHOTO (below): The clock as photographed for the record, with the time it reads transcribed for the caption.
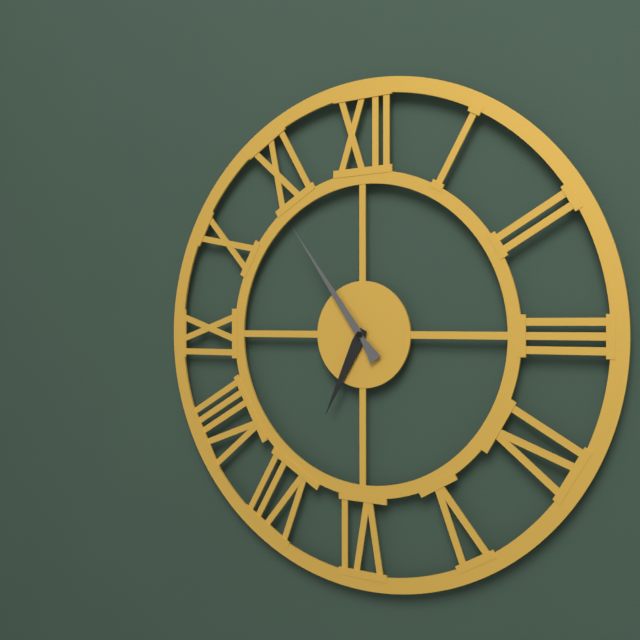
6:54
